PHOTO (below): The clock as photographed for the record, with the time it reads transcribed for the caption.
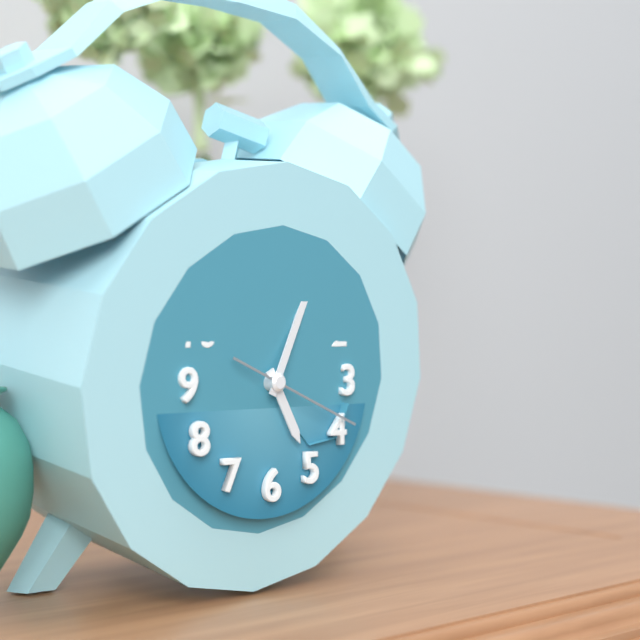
5:04:19
